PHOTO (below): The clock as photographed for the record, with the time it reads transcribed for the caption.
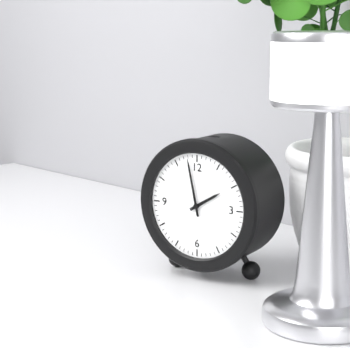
1:58
